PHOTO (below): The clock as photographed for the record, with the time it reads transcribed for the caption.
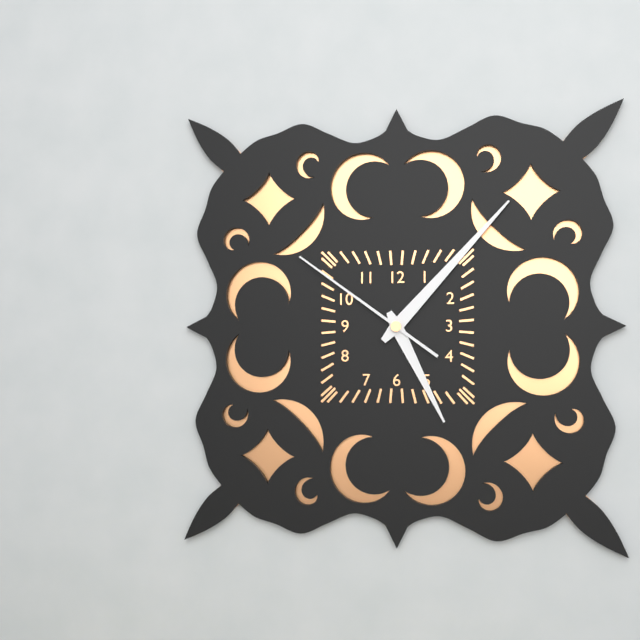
5:07:51
